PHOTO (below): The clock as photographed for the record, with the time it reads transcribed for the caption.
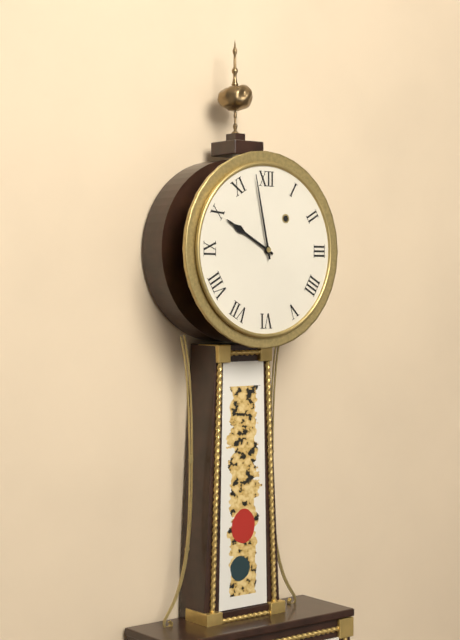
9:58
